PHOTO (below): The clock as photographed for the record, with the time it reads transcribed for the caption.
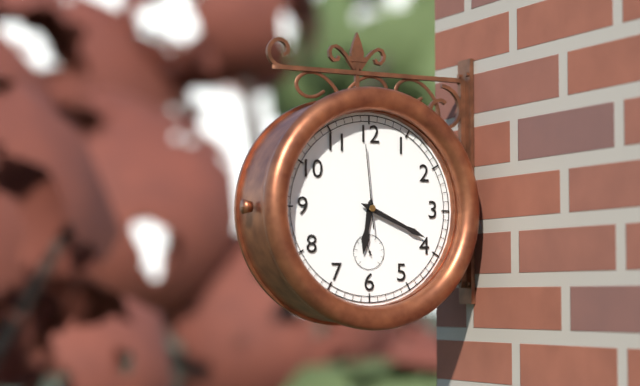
6:19:59
